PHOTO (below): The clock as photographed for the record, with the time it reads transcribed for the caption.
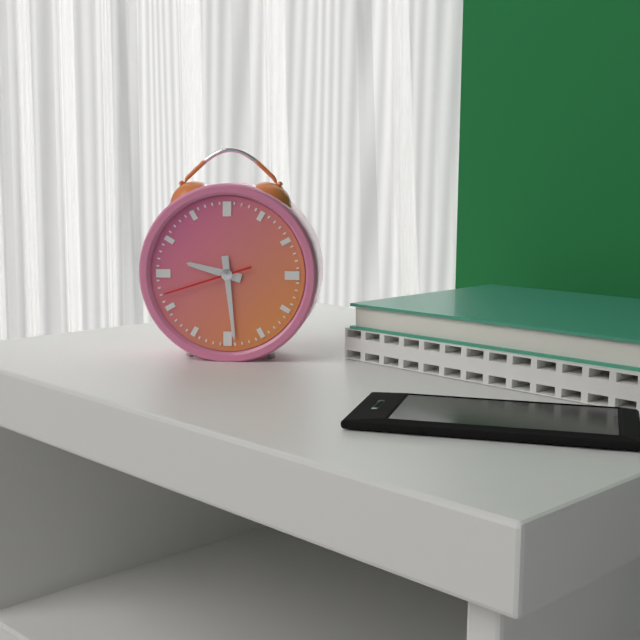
9:29:42
